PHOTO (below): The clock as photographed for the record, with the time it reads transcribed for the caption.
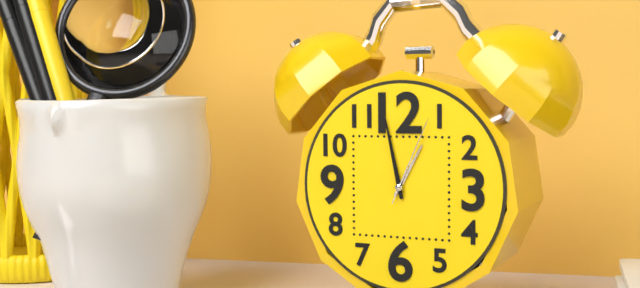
12:58:04
